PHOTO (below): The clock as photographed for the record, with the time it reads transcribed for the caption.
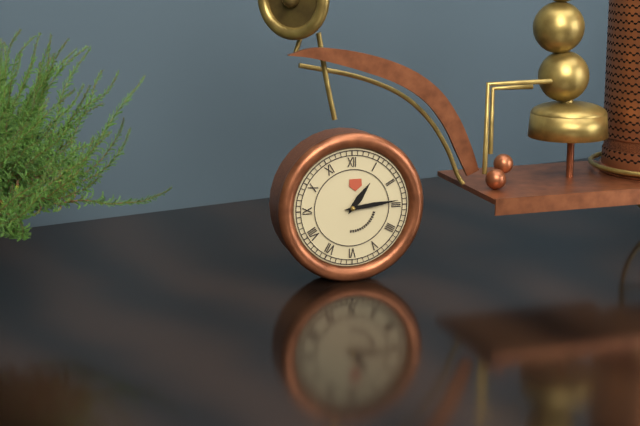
1:14
